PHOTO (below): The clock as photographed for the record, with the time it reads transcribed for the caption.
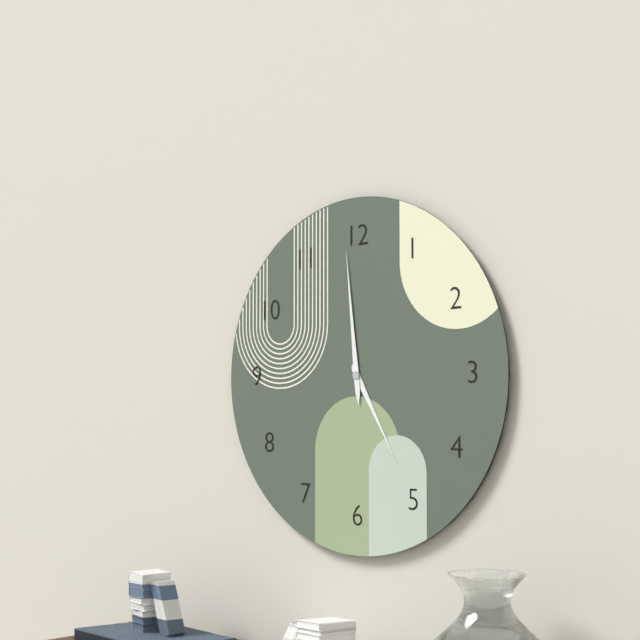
4:59
